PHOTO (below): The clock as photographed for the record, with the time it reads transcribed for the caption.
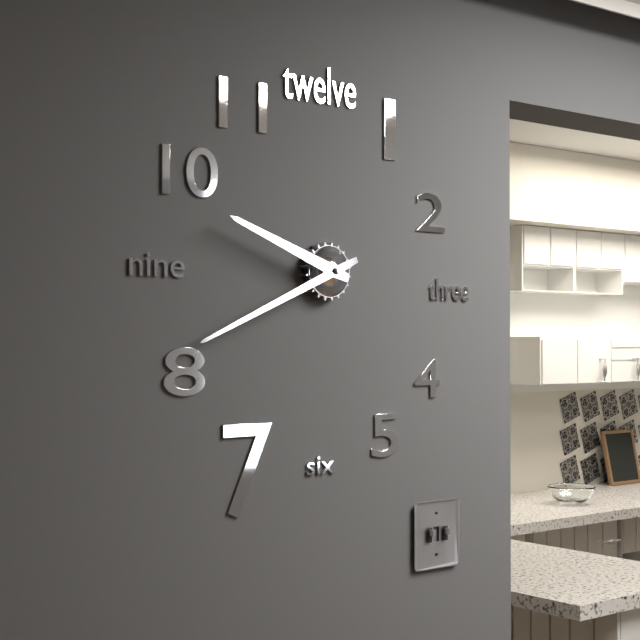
9:41
